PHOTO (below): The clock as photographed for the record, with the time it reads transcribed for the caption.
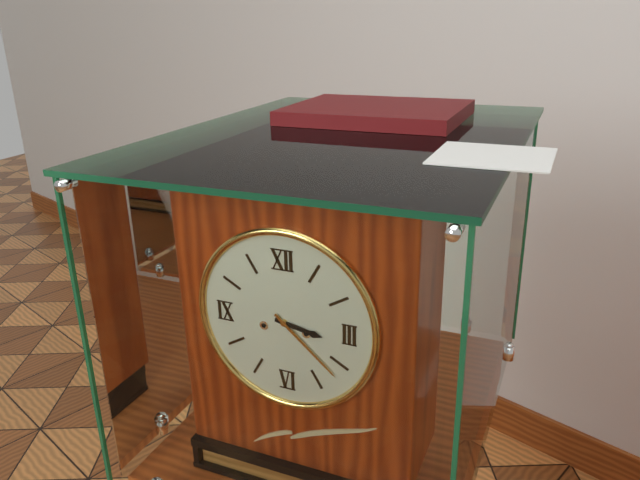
3:22
